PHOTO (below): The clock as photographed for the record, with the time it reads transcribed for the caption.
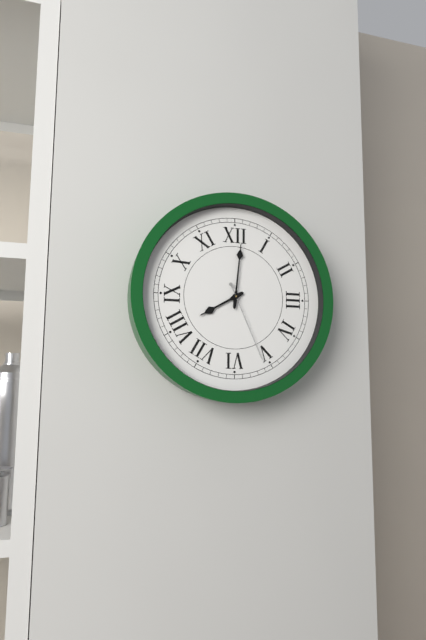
8:01:26
